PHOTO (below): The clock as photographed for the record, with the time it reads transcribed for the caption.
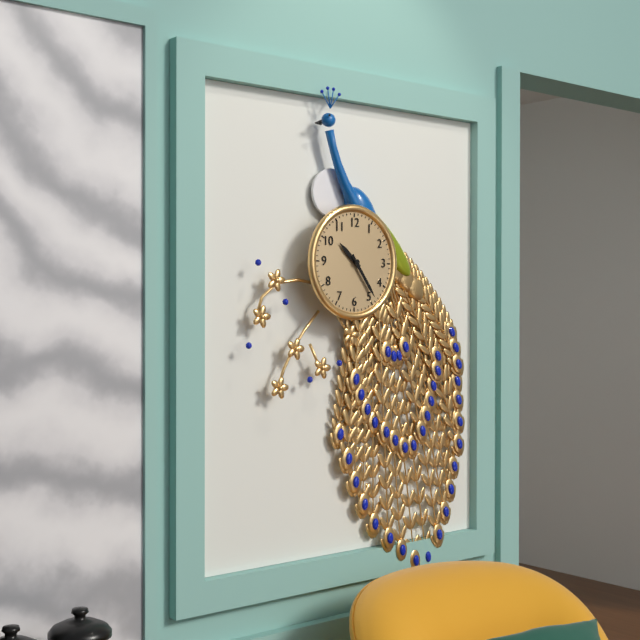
10:24
